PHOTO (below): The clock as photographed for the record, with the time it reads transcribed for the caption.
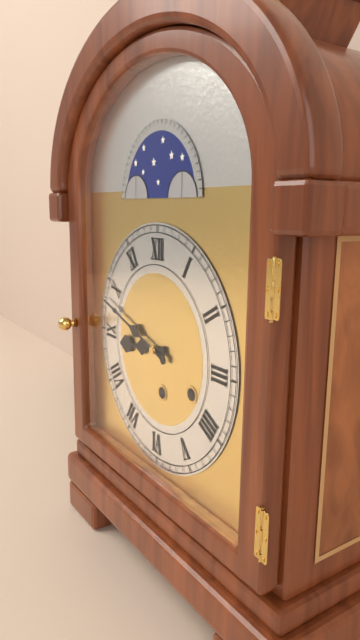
8:48
